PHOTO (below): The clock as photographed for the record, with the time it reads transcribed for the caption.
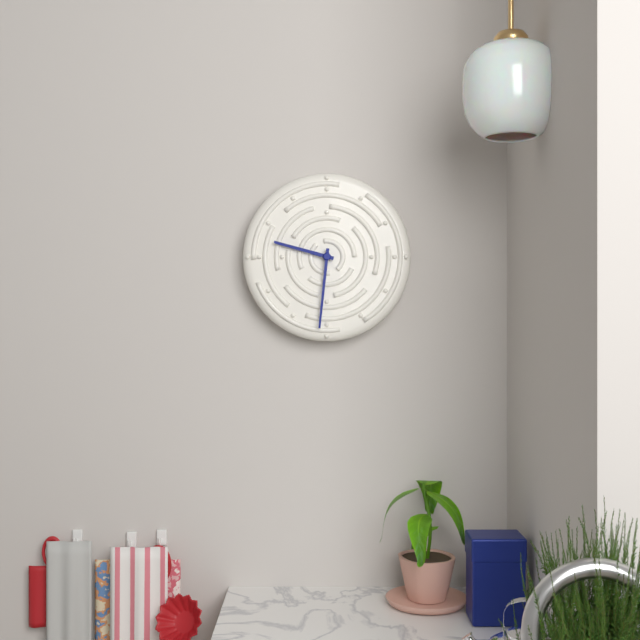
9:31
